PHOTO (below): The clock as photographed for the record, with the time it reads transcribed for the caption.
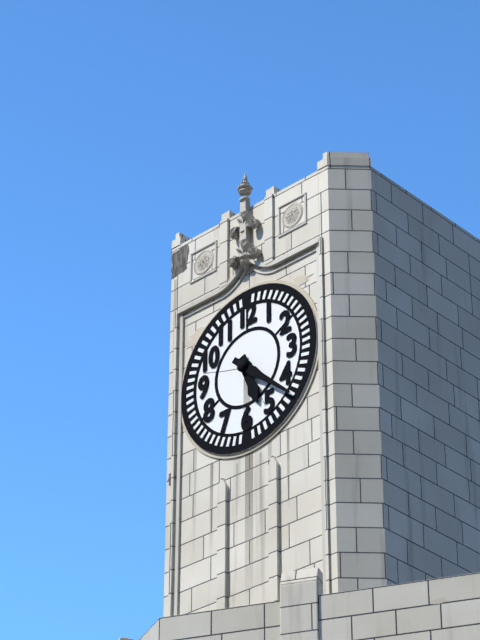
5:22
